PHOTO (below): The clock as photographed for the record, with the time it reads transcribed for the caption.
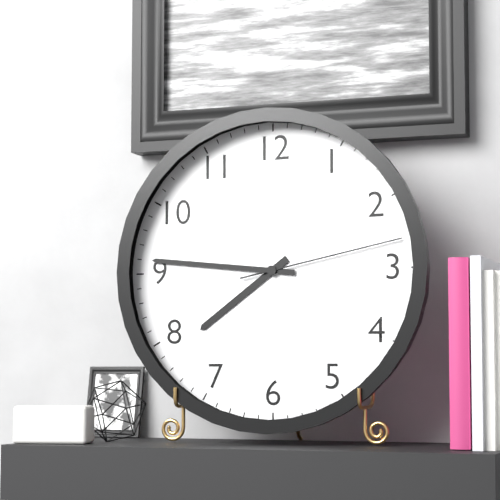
7:46:13
